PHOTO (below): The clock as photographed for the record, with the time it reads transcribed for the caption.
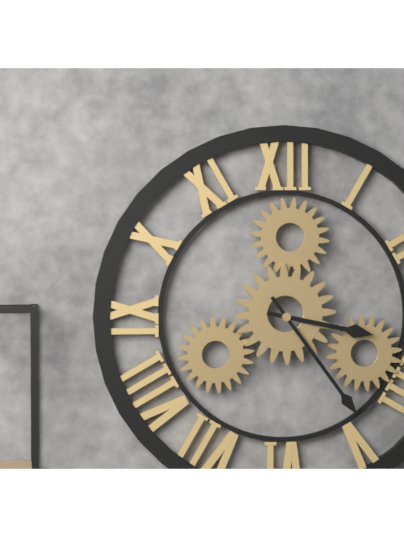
3:24
